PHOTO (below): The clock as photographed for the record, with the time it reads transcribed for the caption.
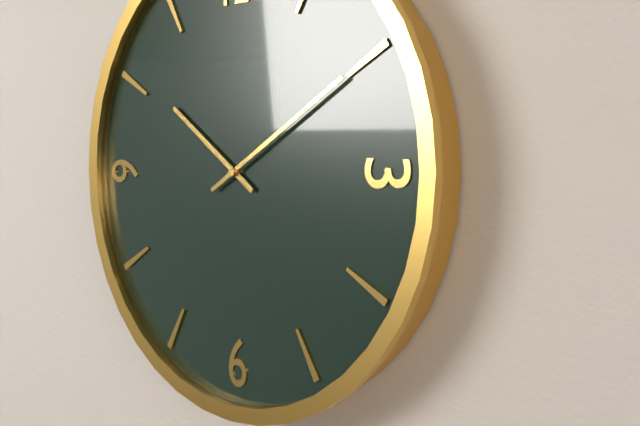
10:10
